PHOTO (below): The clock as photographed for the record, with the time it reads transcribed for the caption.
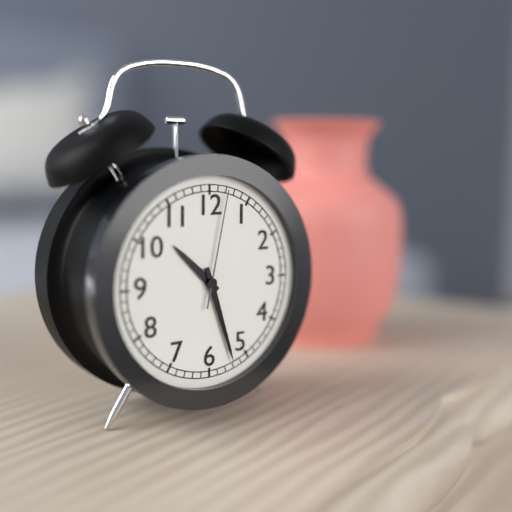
10:27:02
